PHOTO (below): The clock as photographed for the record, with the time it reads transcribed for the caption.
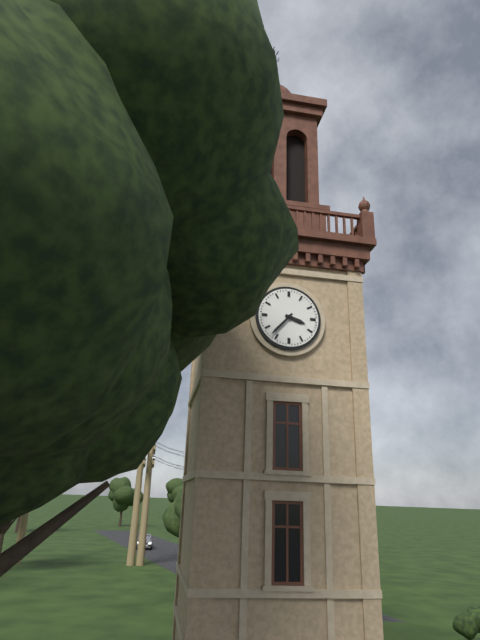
3:37
